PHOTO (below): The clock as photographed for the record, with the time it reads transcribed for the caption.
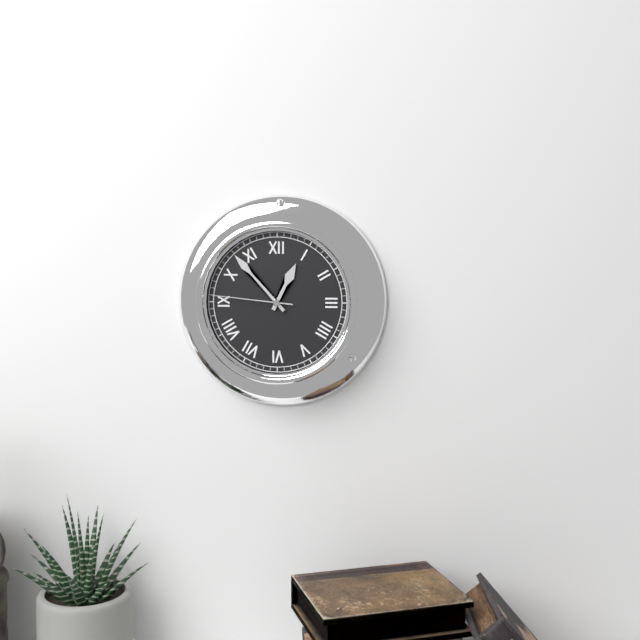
12:53:46
